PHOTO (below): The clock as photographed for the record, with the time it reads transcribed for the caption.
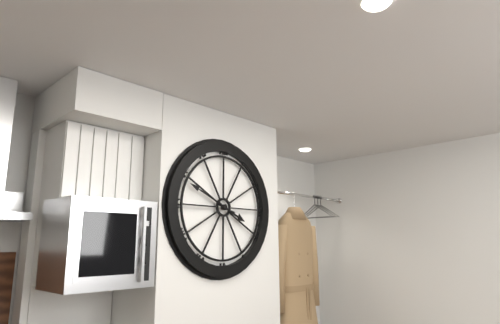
3:49
